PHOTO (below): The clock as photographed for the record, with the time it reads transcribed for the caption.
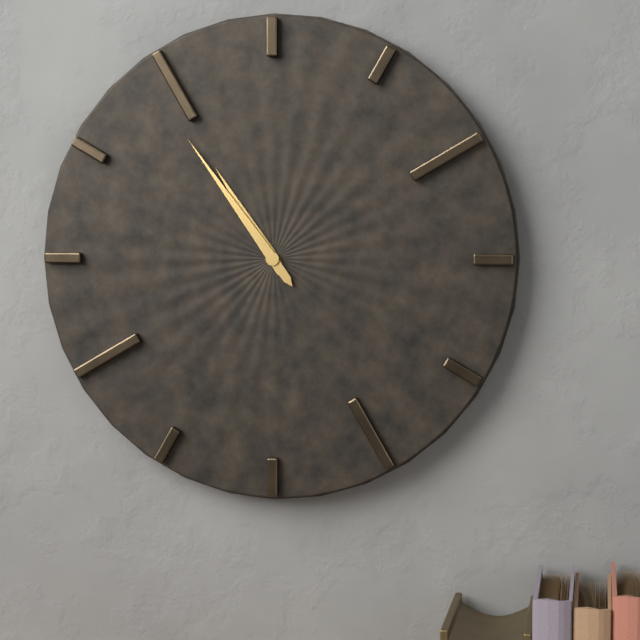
10:54
